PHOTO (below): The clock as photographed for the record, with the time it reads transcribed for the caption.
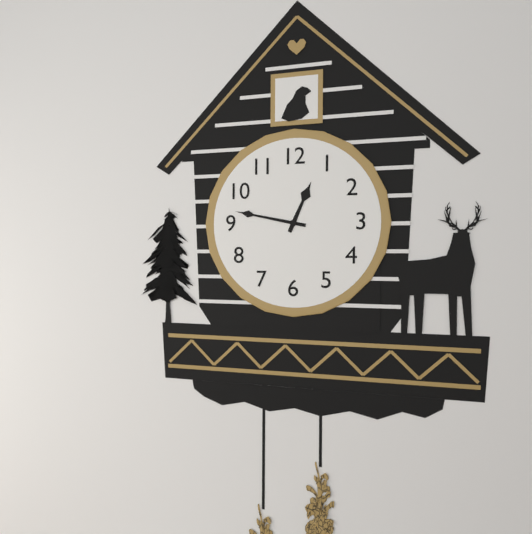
12:47
